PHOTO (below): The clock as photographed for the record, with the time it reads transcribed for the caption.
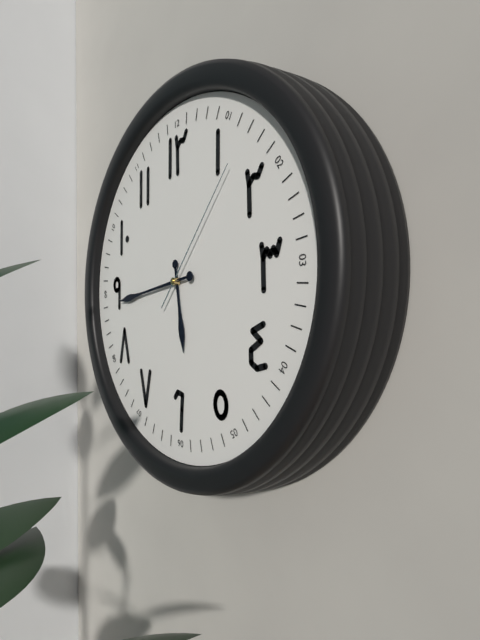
5:44:07
